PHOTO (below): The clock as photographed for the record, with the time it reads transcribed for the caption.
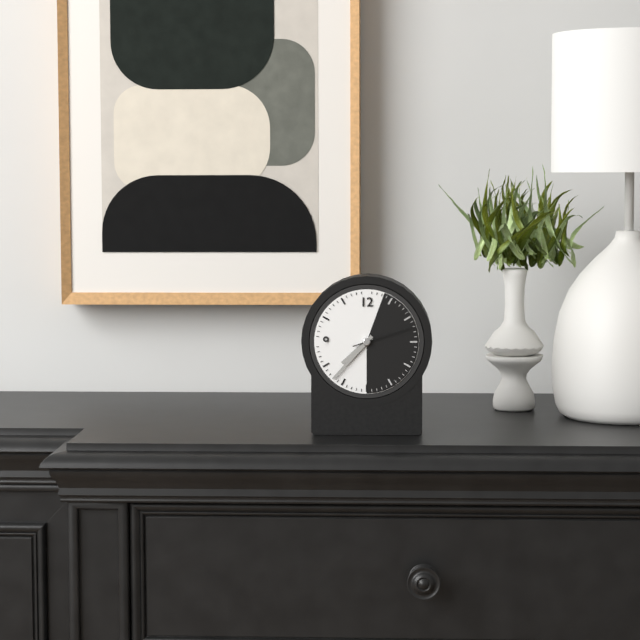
7:37:12
